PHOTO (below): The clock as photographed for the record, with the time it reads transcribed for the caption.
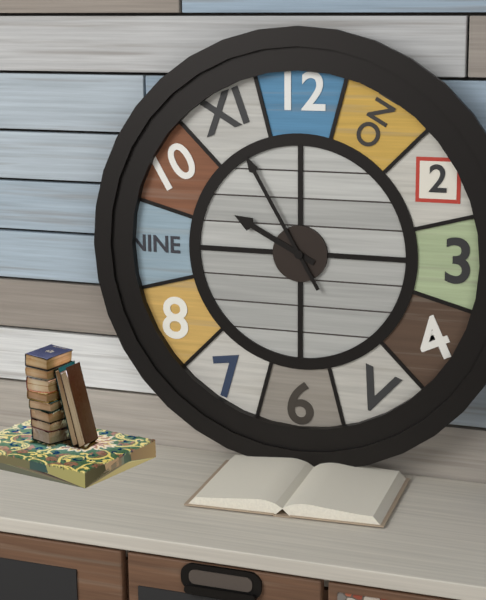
9:55
